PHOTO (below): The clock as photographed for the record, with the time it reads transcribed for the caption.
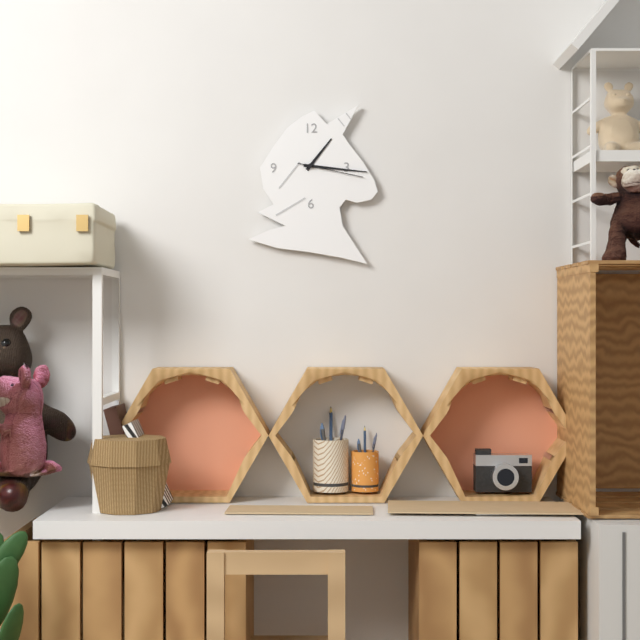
1:16:17
